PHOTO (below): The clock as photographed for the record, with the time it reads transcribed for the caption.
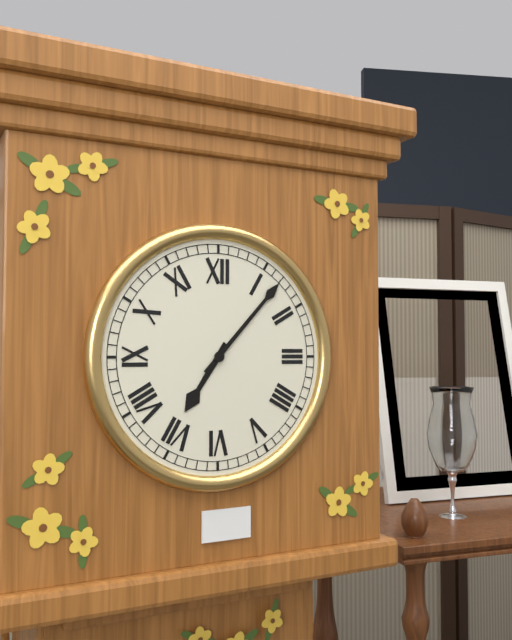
7:07
